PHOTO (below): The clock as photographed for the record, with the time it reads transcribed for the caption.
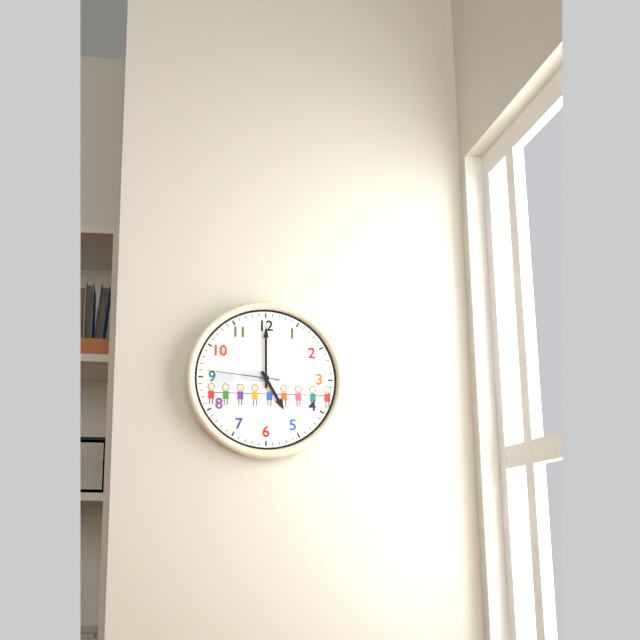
5:00:46
